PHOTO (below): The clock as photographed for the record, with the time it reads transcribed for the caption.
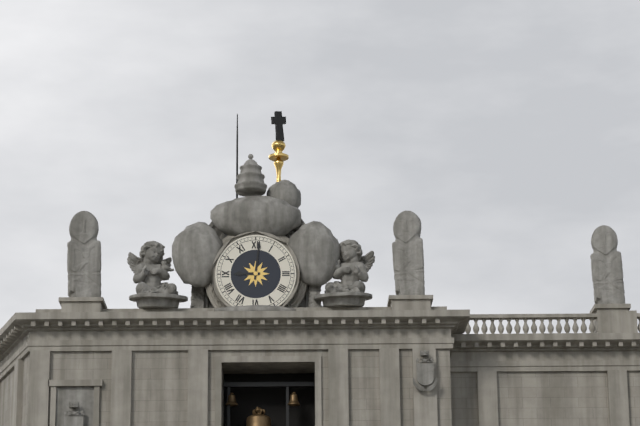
9:01
